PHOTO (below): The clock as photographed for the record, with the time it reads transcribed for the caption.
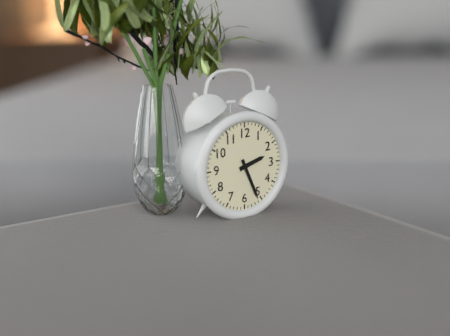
2:26
